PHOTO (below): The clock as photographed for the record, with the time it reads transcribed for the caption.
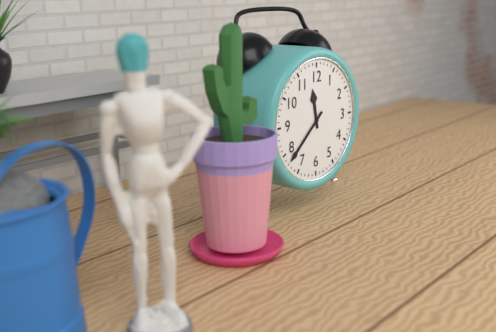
11:38
